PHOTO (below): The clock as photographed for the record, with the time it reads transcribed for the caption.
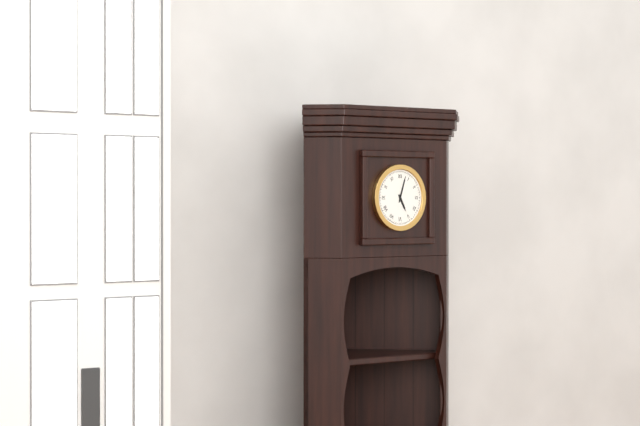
5:03
